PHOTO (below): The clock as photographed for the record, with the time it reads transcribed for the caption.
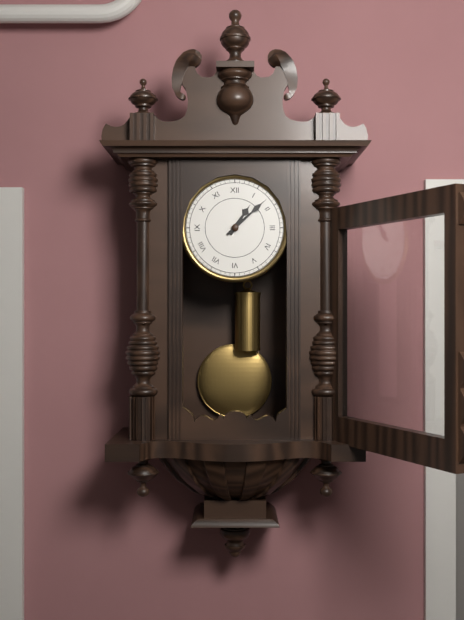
1:08
